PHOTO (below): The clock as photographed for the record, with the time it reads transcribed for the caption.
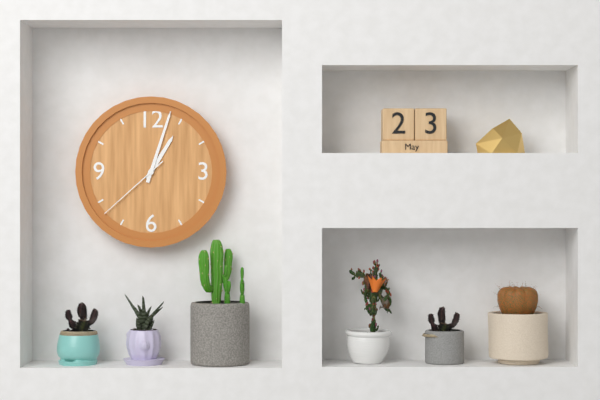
1:03:38
